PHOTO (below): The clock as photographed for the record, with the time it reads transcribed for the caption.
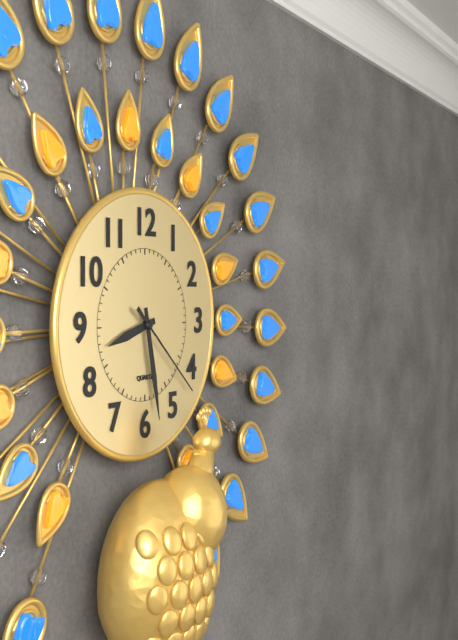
8:28:22
